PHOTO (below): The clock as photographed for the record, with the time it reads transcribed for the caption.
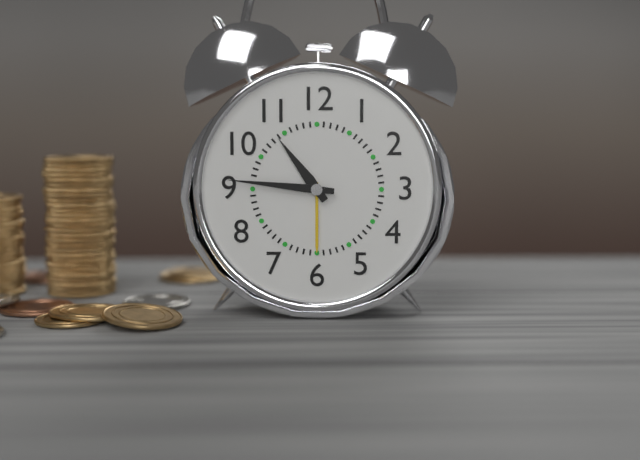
10:46
